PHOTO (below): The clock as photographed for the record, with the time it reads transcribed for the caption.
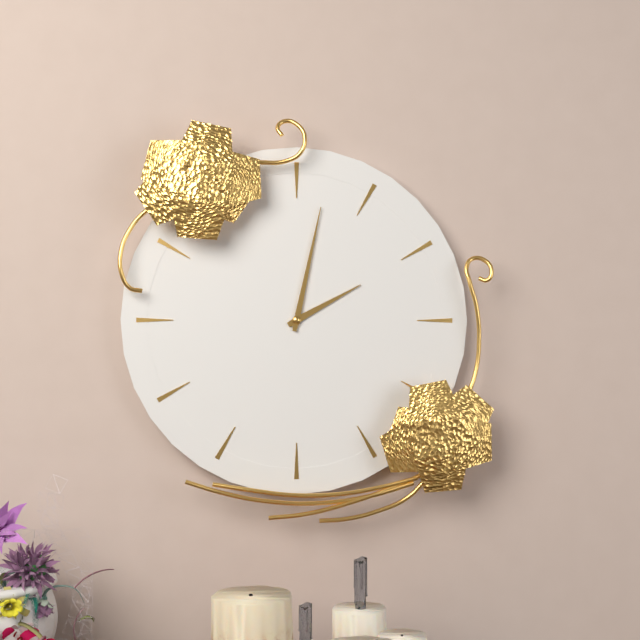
2:02
